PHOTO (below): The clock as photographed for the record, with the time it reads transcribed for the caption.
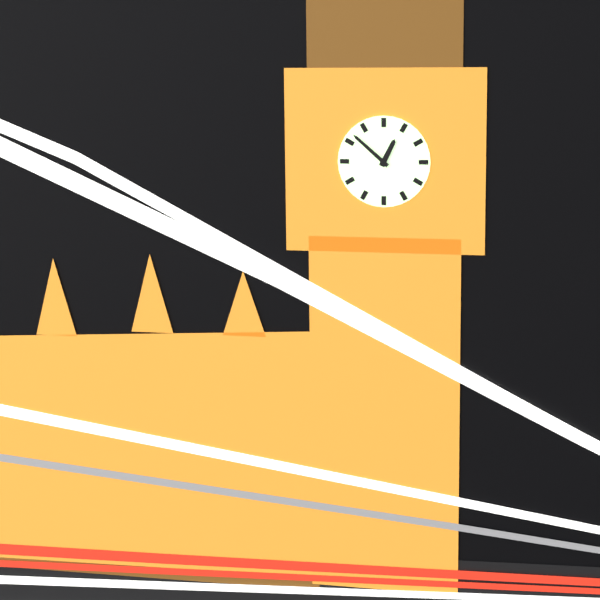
12:52
